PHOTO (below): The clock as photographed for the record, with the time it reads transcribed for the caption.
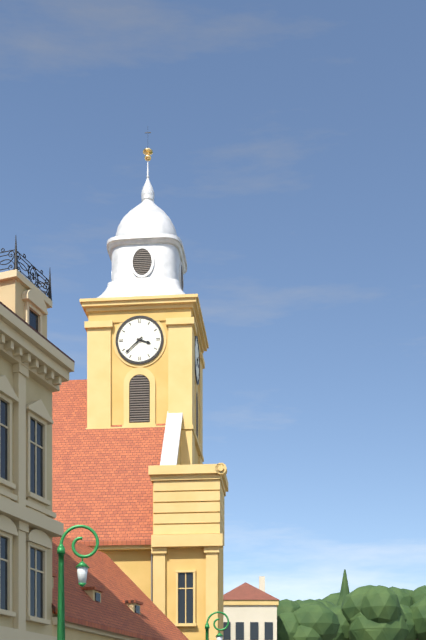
3:38
